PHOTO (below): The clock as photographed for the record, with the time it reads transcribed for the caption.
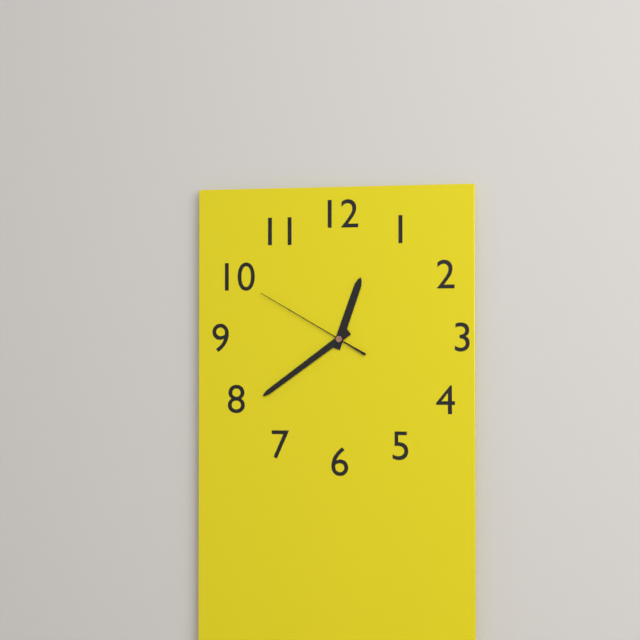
12:39:50
